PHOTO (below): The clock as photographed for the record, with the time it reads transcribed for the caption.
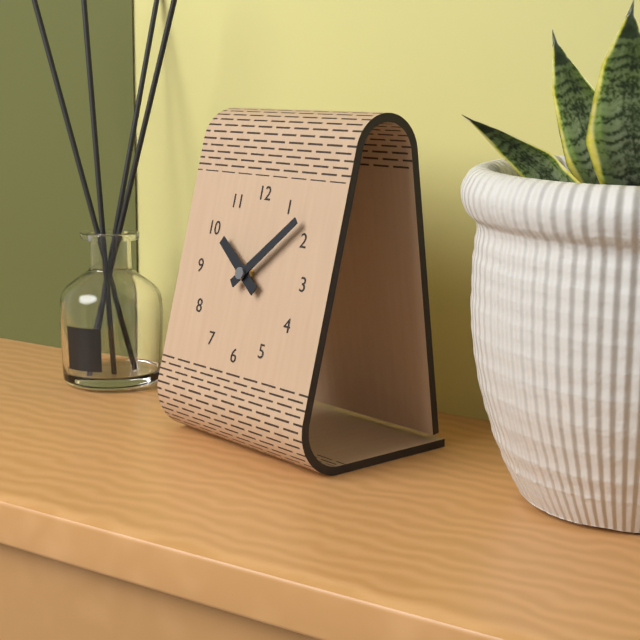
10:08
